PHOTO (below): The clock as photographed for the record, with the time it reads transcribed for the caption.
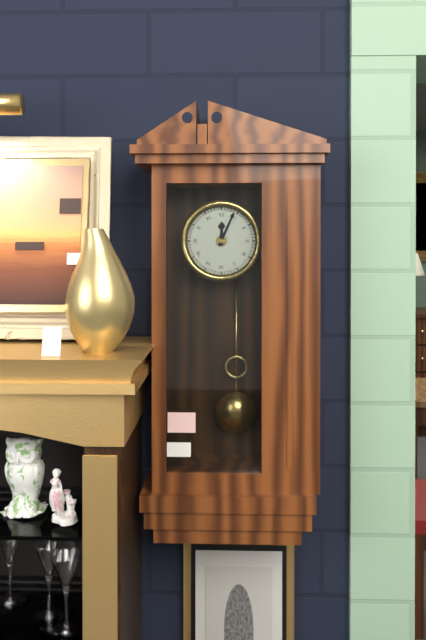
12:04
